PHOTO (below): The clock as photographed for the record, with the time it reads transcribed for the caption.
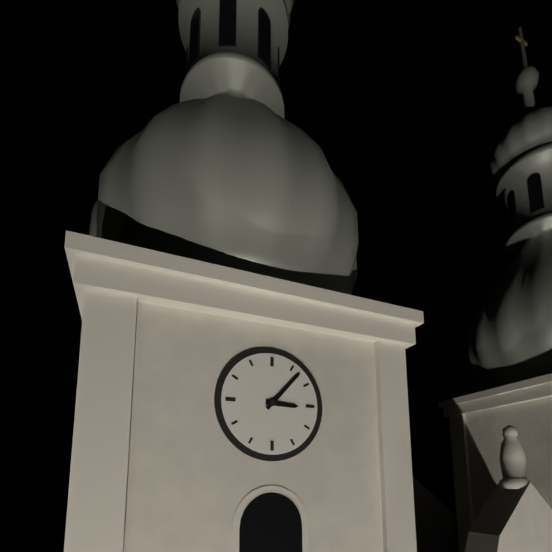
3:07
